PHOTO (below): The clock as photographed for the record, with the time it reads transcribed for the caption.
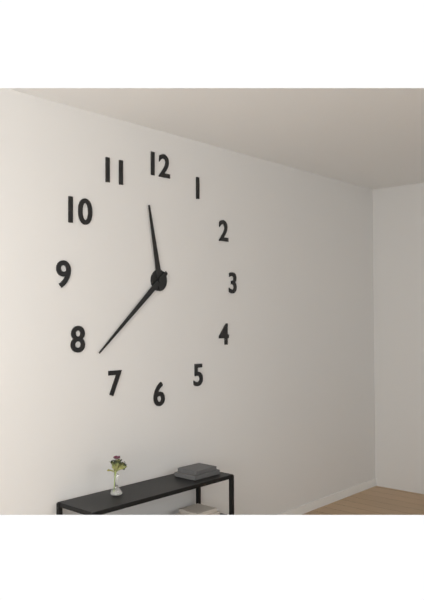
11:38
